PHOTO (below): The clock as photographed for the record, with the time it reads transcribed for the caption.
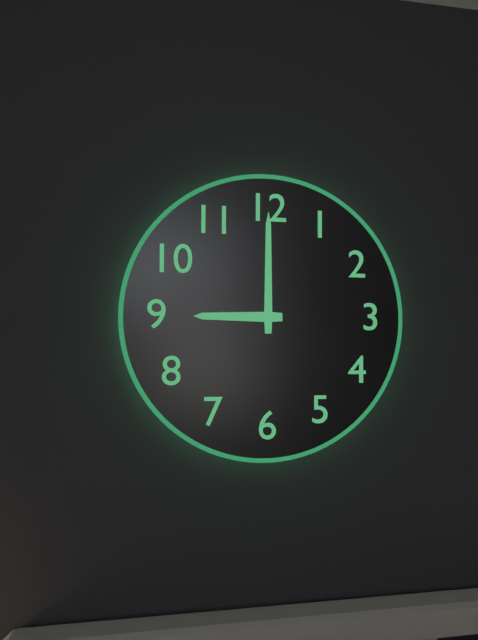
9:00
